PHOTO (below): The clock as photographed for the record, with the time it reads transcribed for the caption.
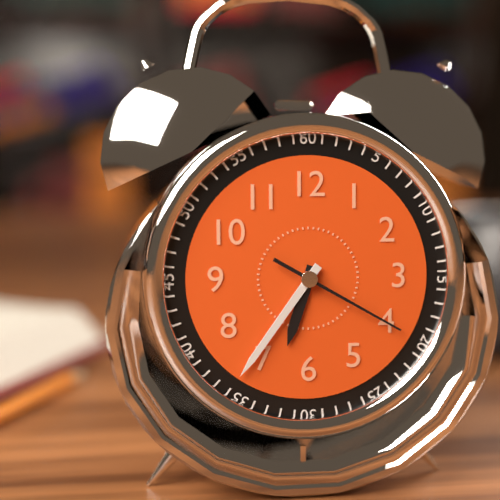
6:36:20
